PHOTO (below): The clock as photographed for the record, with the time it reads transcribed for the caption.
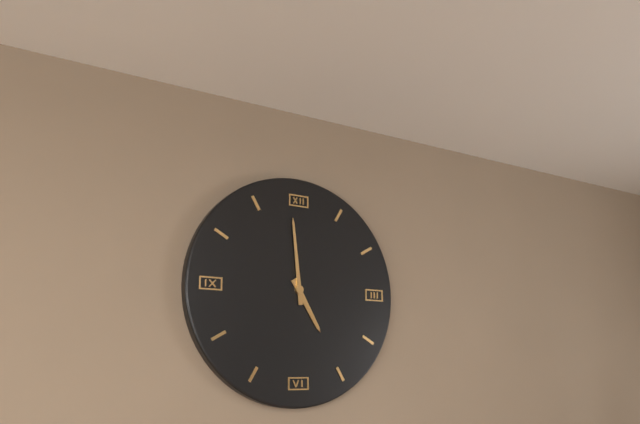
4:59
